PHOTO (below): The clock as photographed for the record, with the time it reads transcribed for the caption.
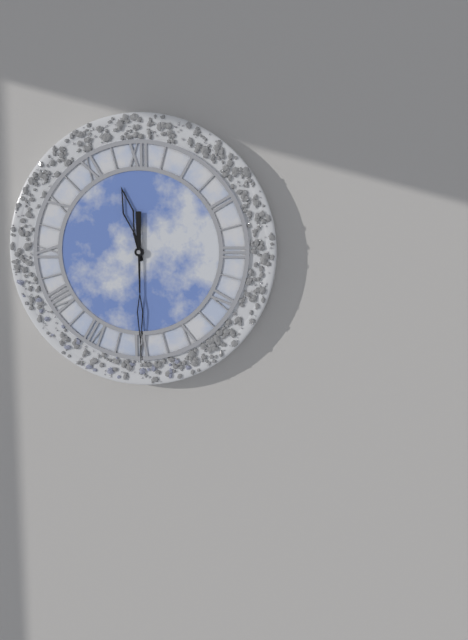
11:30
